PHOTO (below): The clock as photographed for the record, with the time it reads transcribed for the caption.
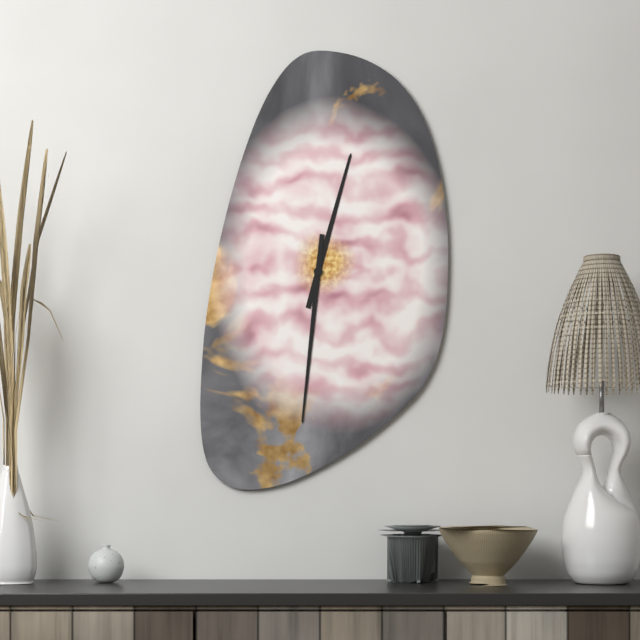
12:31
